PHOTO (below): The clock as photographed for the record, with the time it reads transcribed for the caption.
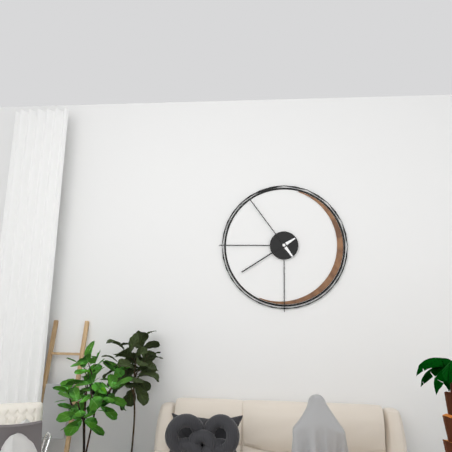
7:54
